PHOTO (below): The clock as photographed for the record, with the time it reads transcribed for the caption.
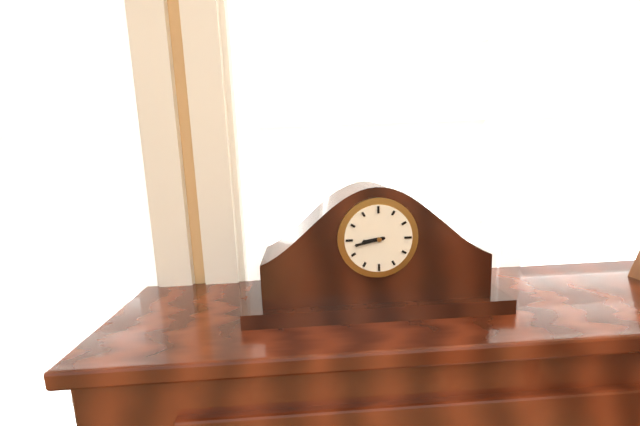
8:43
